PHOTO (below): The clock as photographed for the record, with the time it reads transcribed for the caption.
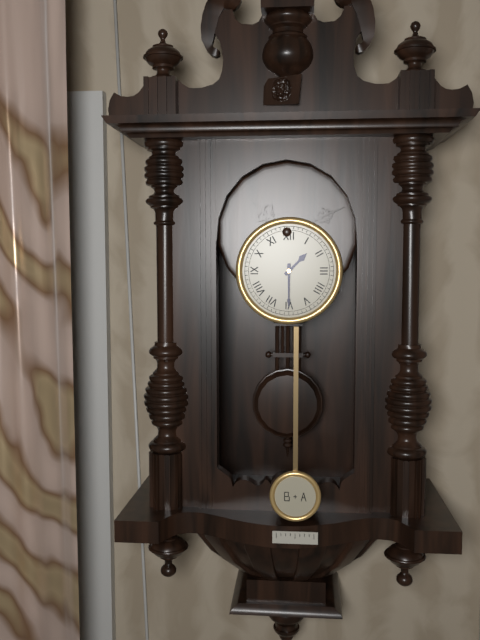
1:30
